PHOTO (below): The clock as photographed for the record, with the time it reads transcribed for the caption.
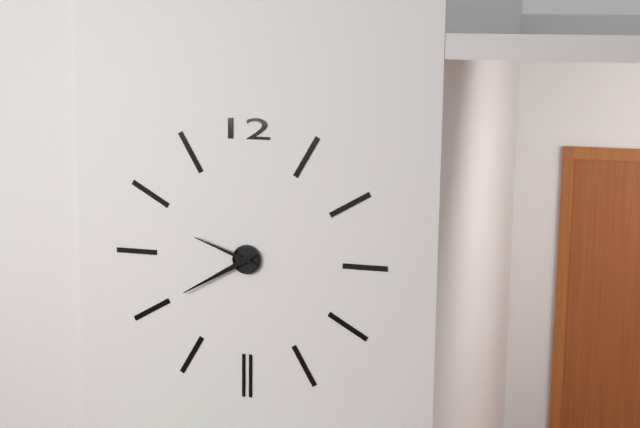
9:40
